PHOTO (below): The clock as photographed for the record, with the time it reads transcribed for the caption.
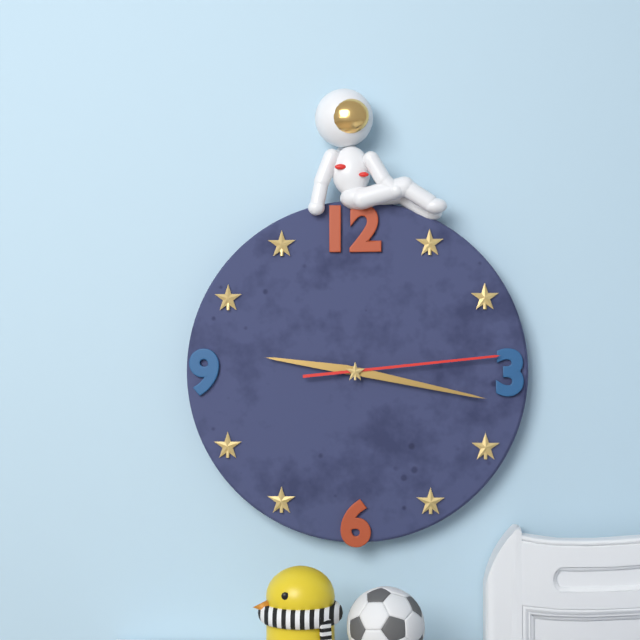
9:17:14
